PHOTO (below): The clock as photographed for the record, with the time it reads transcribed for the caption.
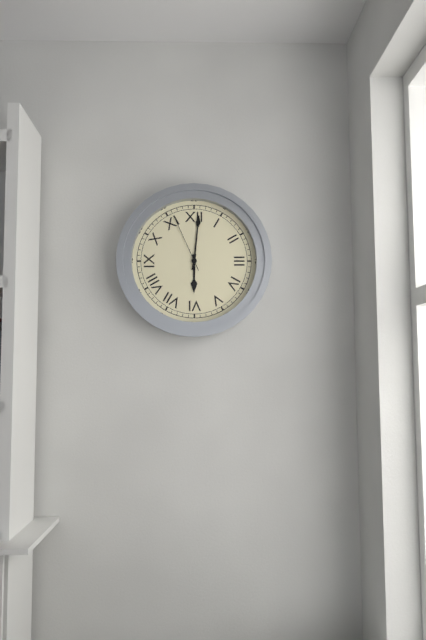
6:01:56
